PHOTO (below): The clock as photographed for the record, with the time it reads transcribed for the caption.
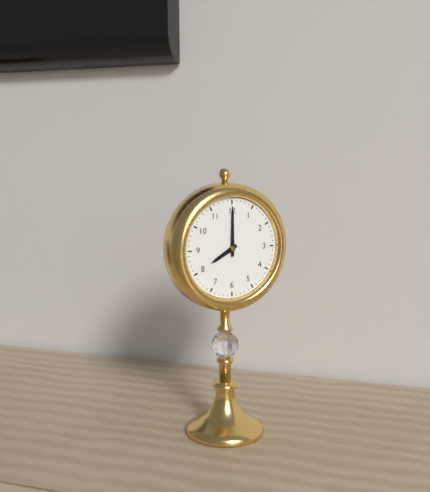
8:00
